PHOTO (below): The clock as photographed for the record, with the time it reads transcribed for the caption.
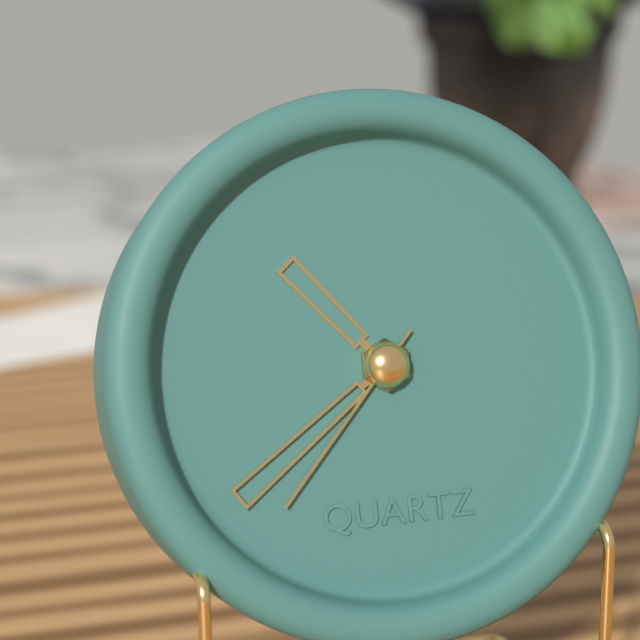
10:39:37
